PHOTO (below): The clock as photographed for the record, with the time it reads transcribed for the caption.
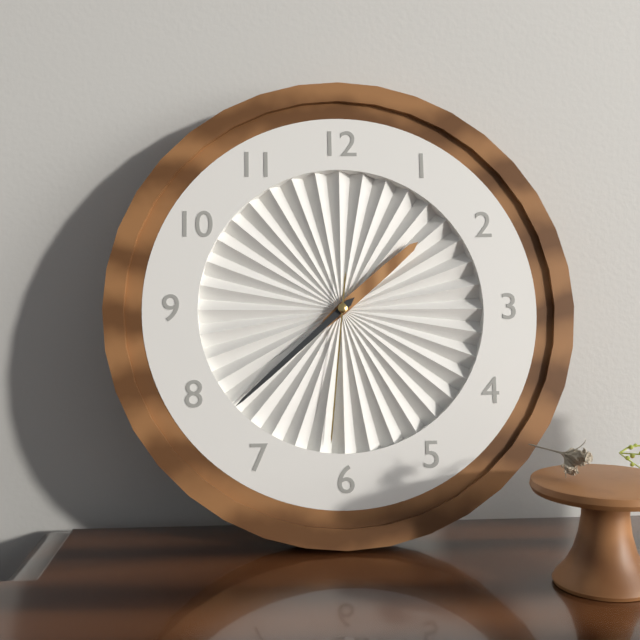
1:38:31
